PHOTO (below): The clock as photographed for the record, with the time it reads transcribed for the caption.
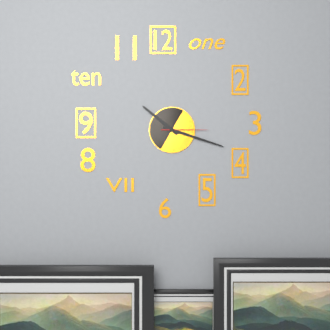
10:18
